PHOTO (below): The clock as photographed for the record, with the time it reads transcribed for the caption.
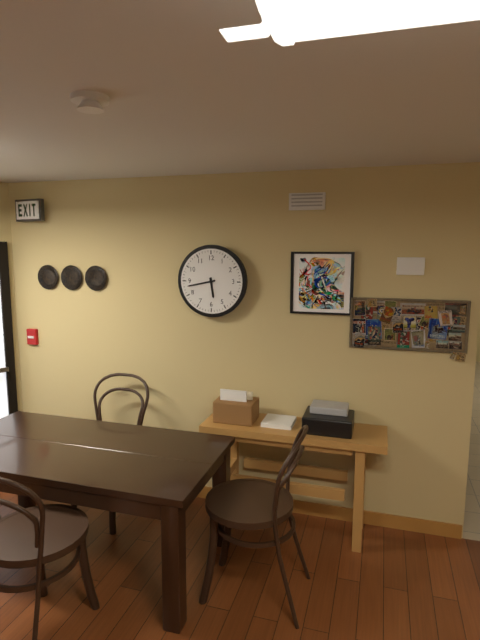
5:43
